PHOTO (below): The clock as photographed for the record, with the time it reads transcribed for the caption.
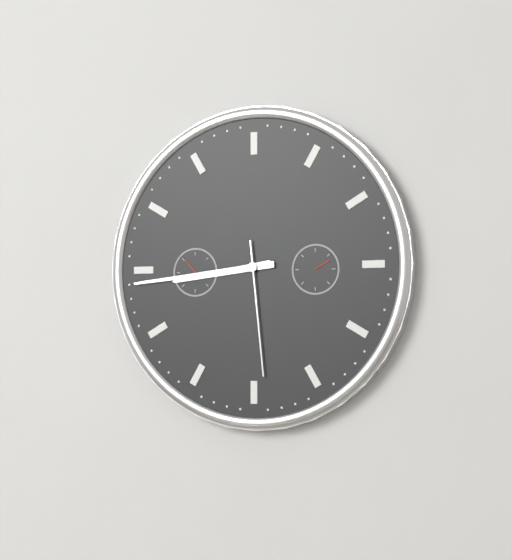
8:44:29
